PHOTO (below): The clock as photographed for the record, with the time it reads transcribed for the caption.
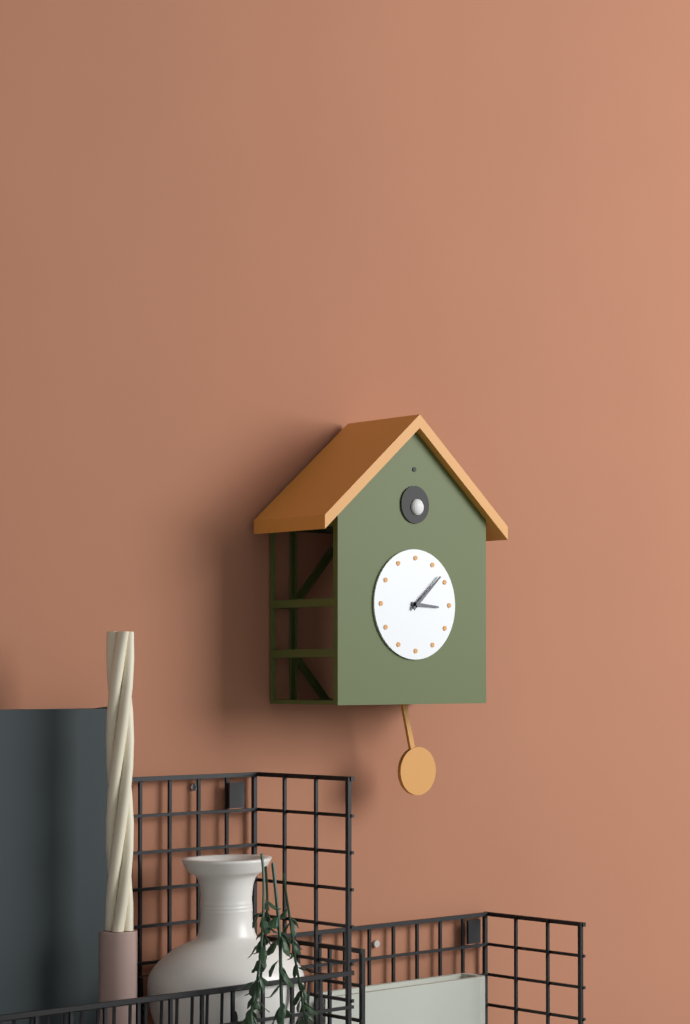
3:08
